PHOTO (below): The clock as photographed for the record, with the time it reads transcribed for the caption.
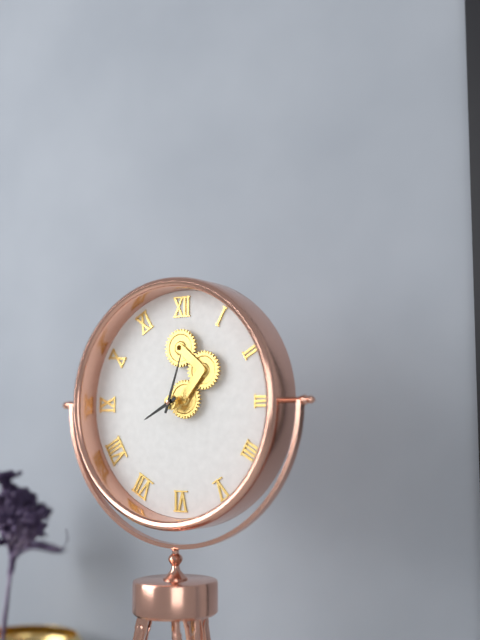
8:03
